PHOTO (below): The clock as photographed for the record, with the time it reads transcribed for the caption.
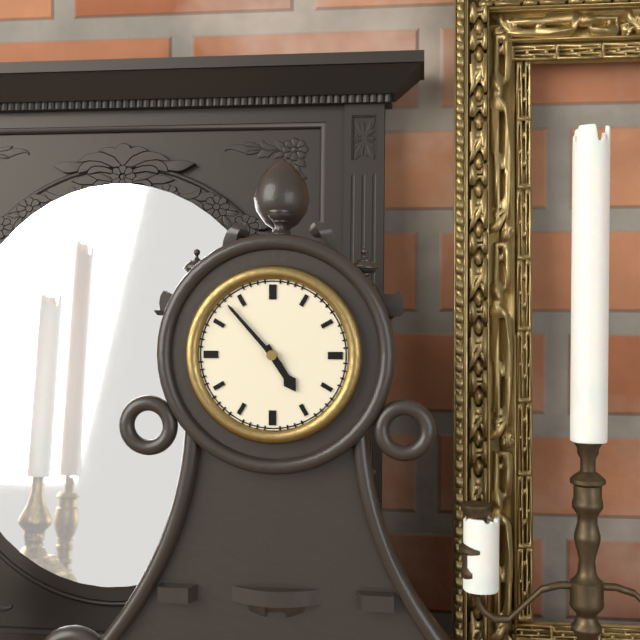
4:53
